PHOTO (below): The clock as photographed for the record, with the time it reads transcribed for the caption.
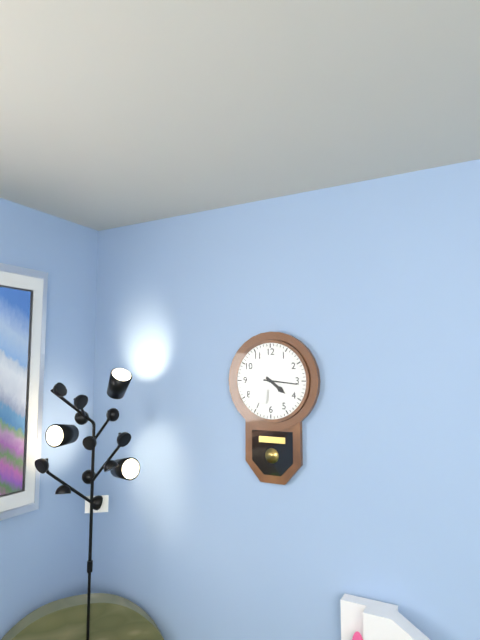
4:16
